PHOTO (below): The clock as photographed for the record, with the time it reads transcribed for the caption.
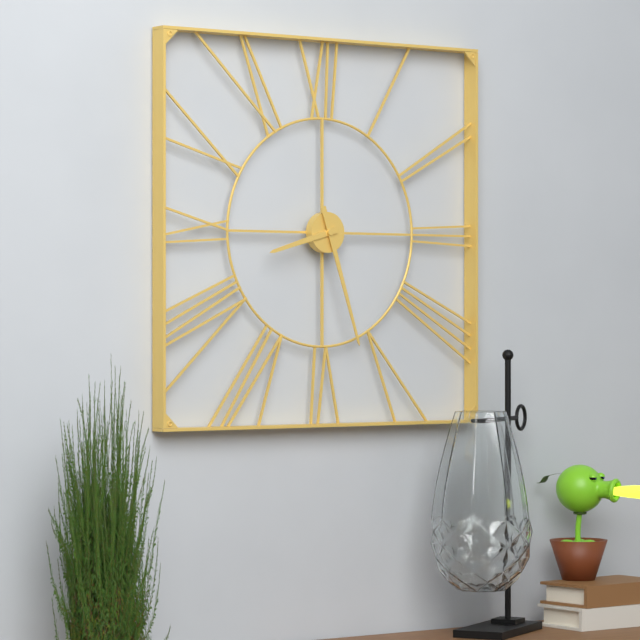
8:27
